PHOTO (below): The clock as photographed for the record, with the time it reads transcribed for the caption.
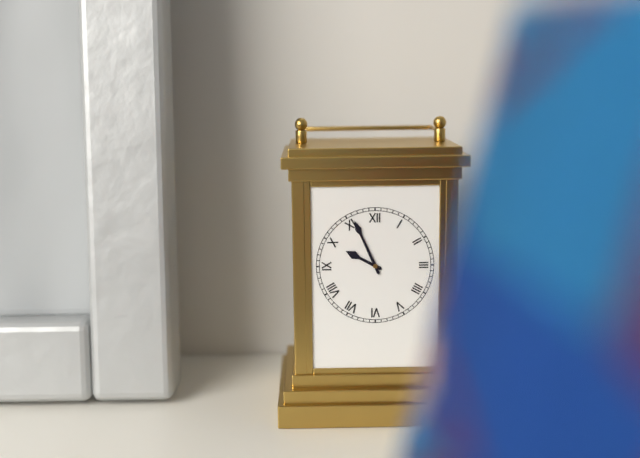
9:56
